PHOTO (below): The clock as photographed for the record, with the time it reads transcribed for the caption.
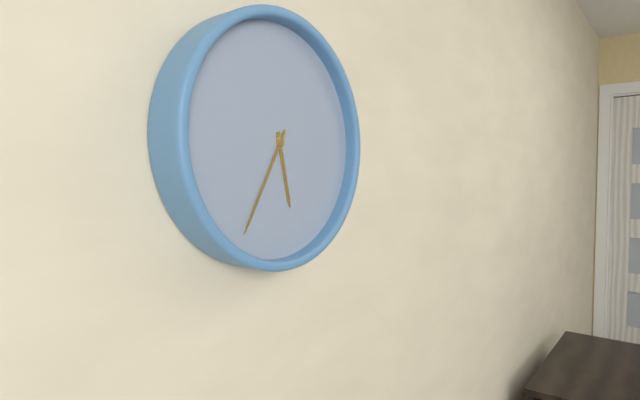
5:35
